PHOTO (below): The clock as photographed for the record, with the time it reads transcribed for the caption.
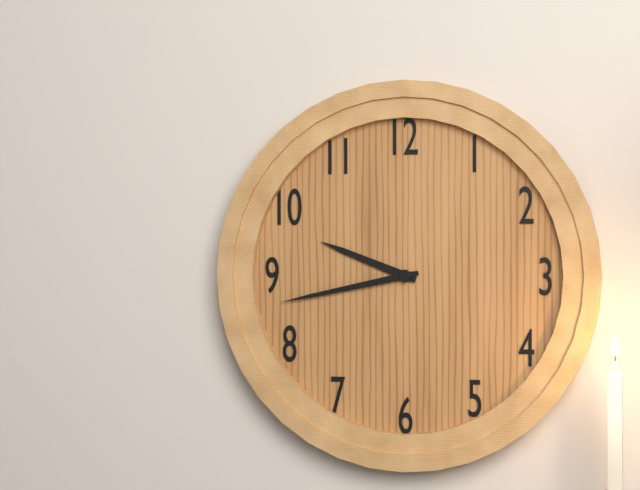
9:43
